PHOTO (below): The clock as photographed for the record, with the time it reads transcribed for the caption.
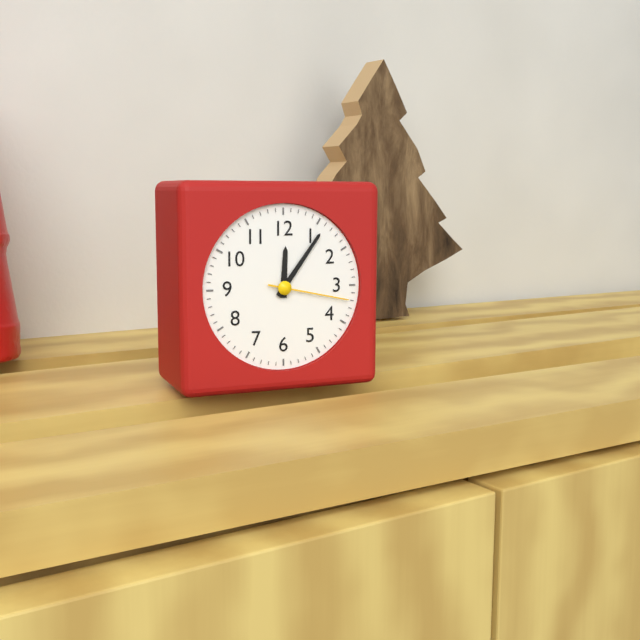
12:06:17
